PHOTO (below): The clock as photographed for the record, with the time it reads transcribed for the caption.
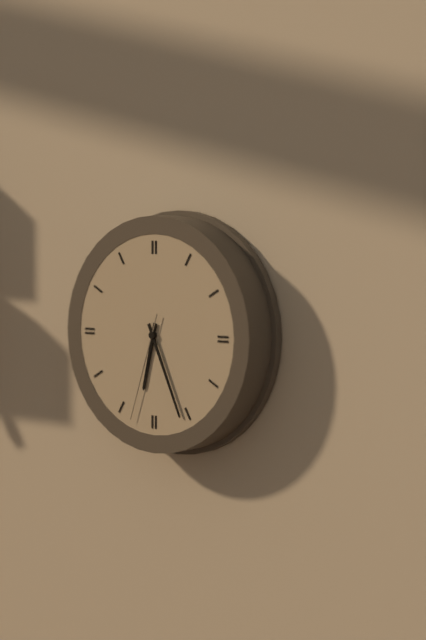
6:26:33
